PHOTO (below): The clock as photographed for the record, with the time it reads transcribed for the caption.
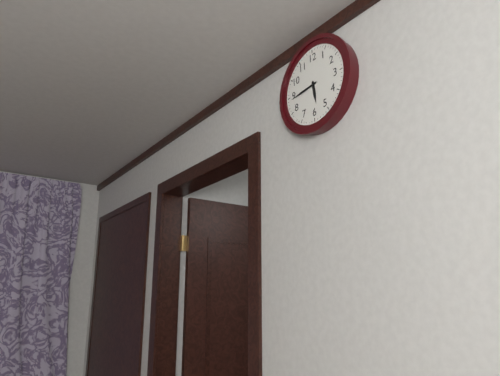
5:44
